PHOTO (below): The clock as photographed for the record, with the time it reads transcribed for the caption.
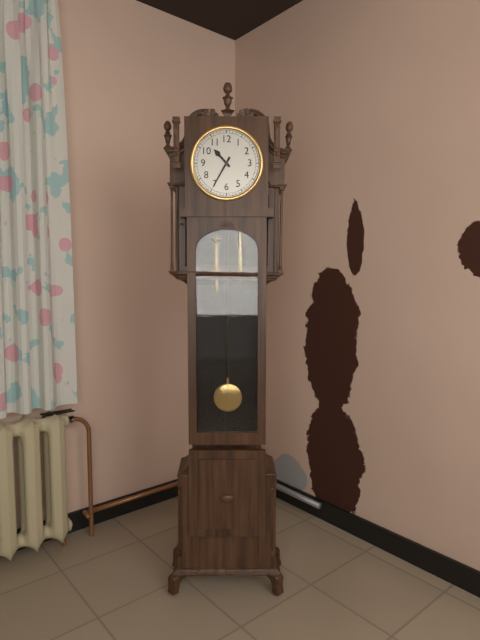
10:35
